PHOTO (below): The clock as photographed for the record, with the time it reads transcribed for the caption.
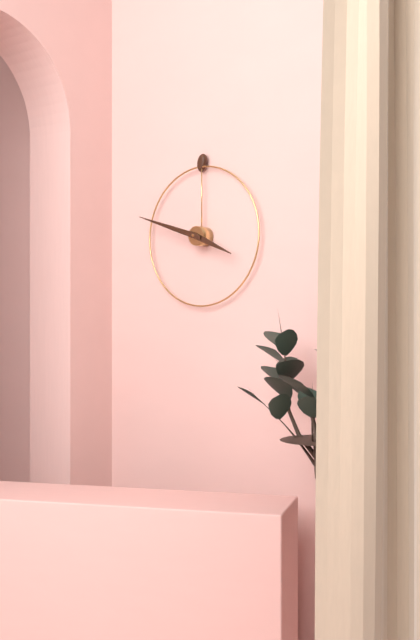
3:48
